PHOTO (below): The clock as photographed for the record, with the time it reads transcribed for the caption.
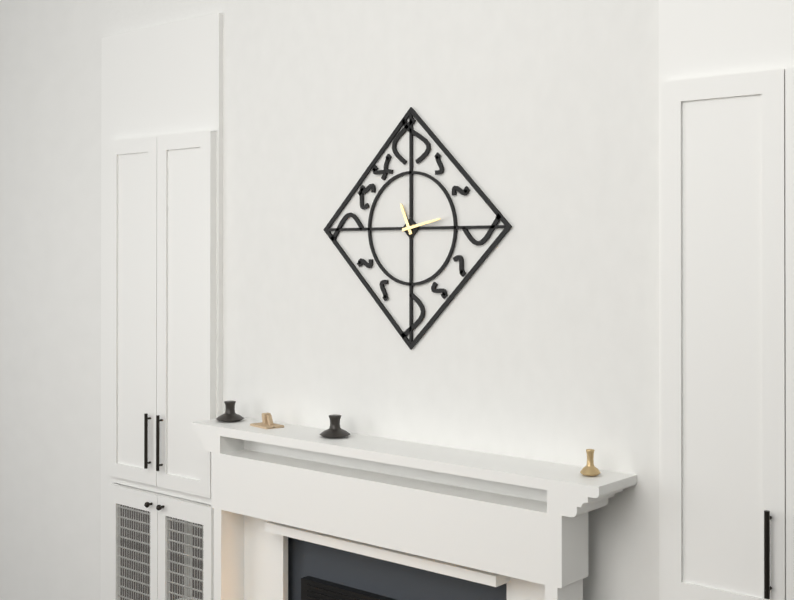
11:13
